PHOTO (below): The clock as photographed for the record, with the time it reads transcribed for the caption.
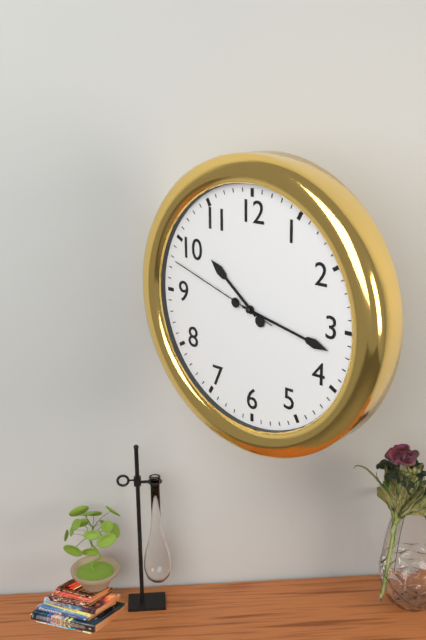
10:17:48
